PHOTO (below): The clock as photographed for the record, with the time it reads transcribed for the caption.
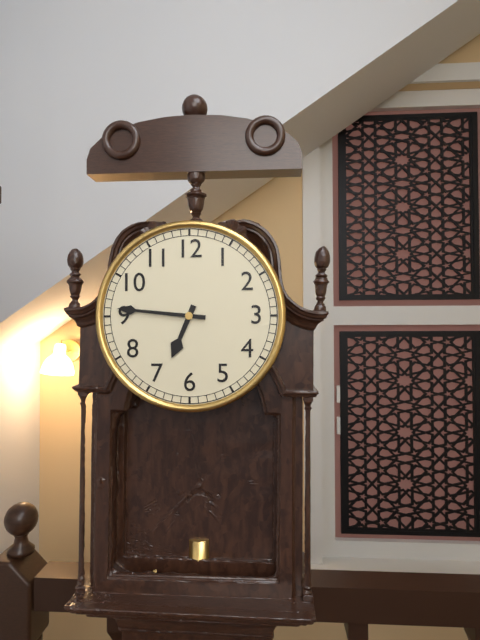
6:46
